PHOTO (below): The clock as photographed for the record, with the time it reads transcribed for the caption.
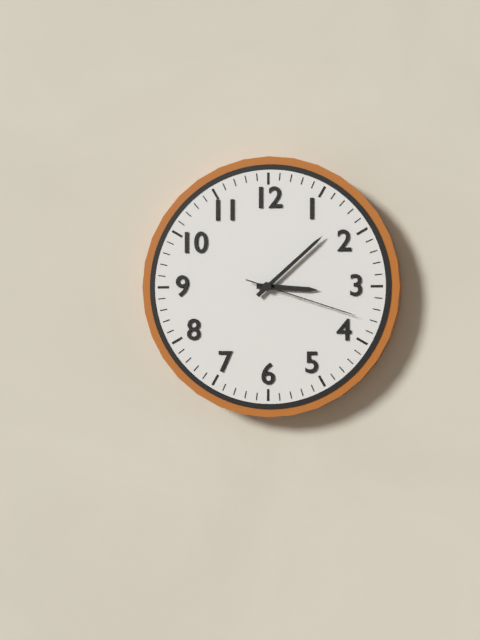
3:08:18
